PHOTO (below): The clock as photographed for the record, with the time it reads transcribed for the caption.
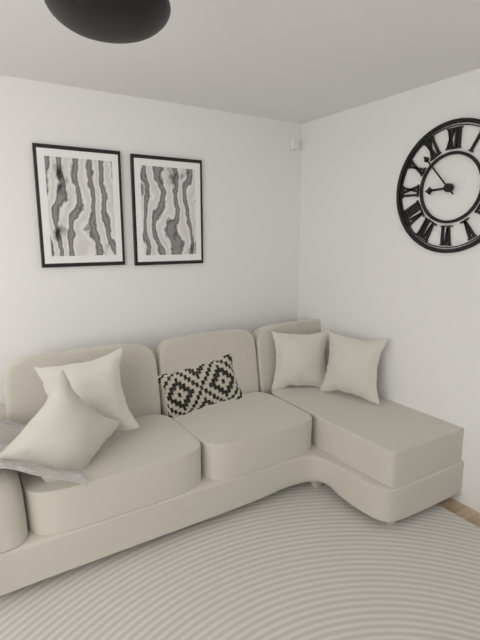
8:53
